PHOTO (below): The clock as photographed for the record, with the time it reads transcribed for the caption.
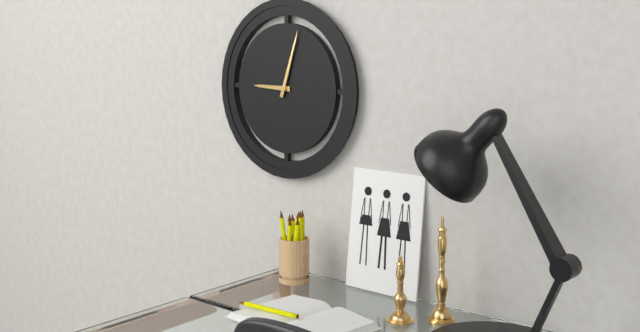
9:03
